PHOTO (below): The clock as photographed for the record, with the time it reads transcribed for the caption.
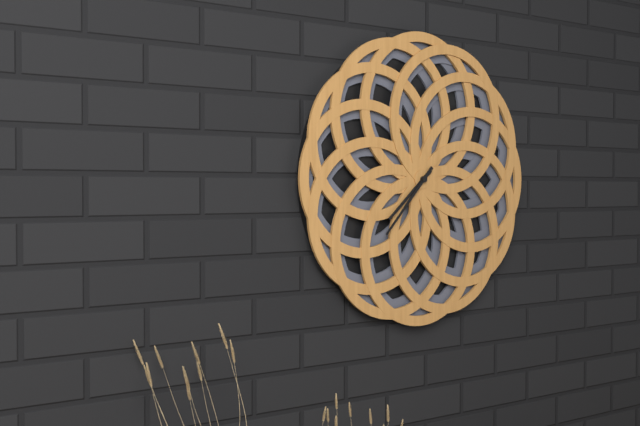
7:37
